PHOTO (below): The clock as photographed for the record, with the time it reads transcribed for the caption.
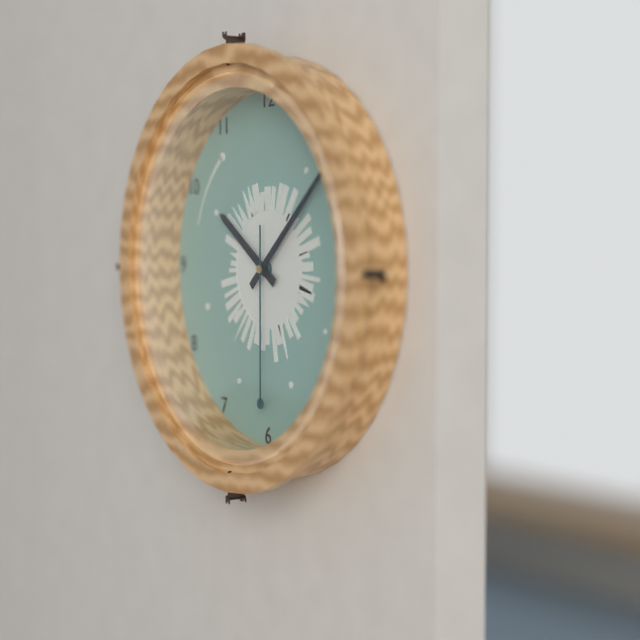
10:08:30
